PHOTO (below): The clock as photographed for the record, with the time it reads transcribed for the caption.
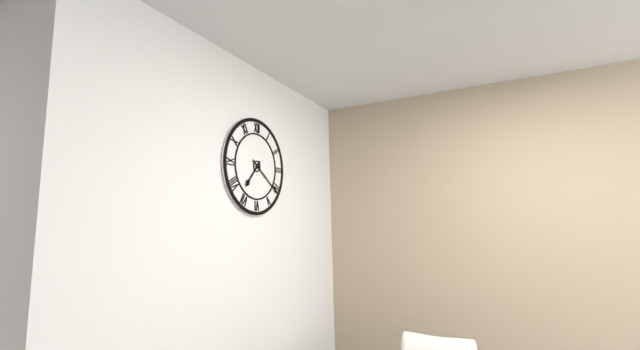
7:21
